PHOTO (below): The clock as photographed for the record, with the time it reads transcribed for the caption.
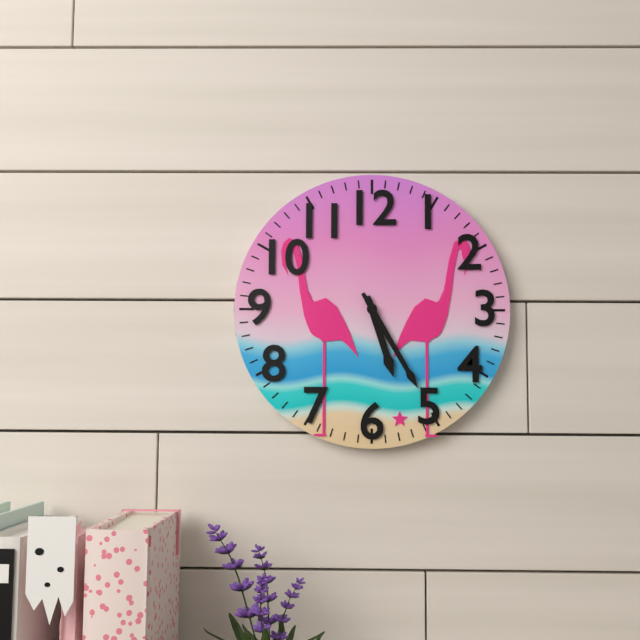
5:25
